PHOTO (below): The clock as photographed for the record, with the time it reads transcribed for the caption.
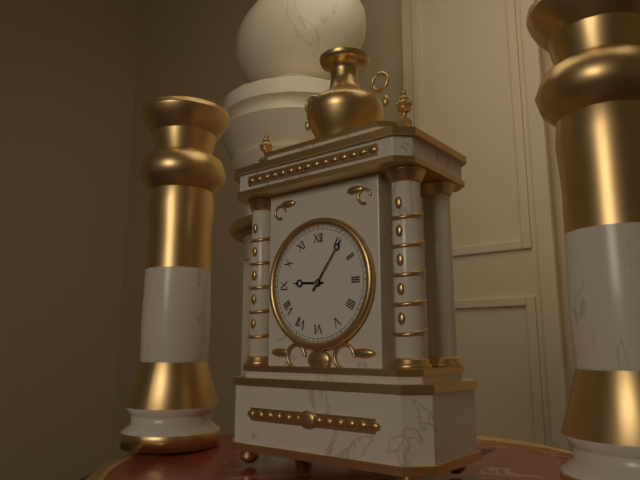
9:06
